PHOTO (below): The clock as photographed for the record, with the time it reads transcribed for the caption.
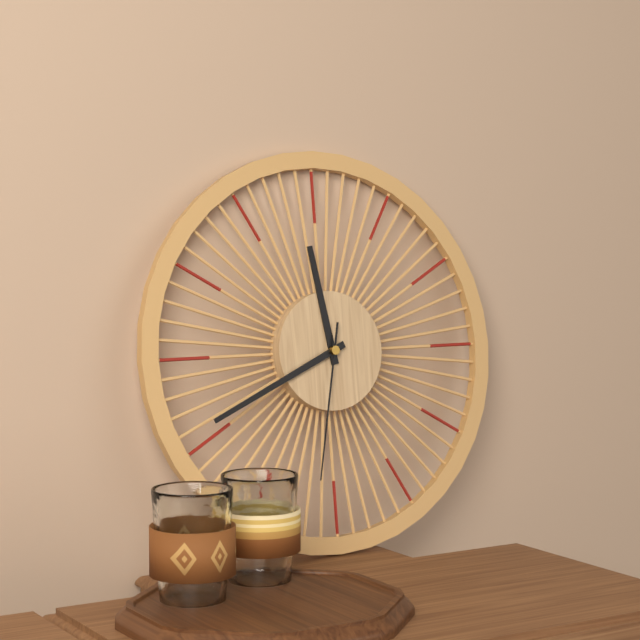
11:41:32
